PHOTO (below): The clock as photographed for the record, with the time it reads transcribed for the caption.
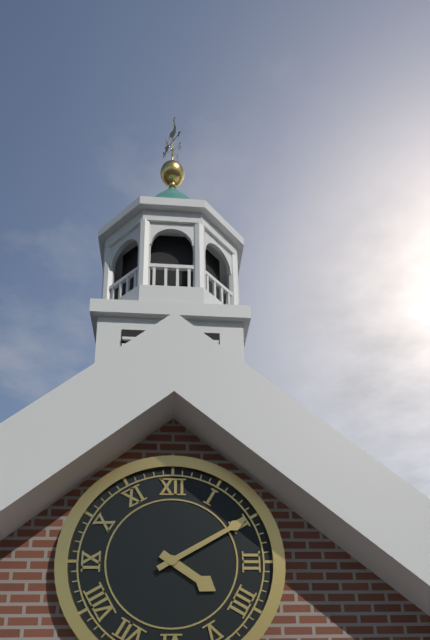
4:10
